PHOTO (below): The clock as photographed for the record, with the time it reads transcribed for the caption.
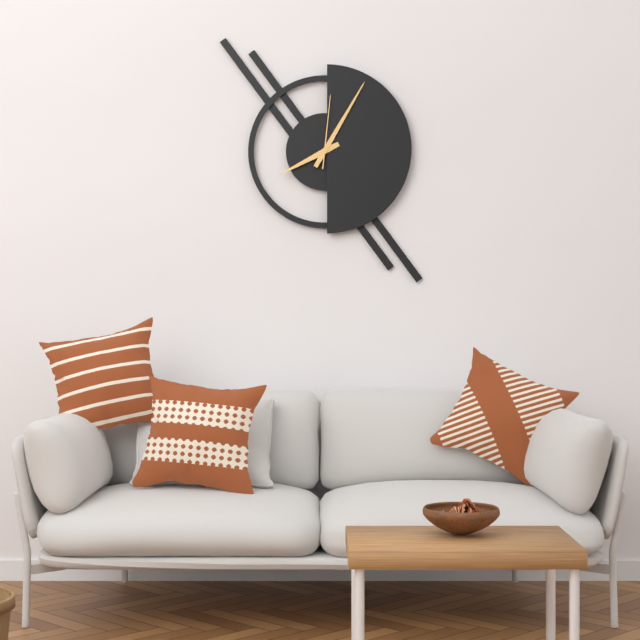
8:05:01
